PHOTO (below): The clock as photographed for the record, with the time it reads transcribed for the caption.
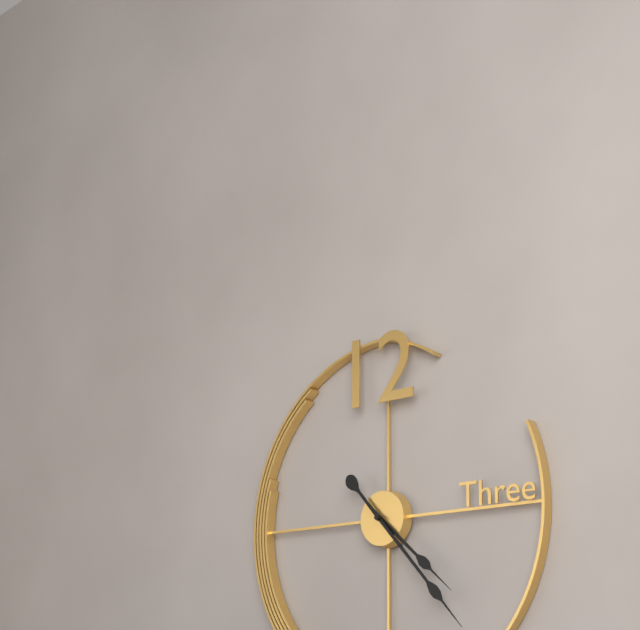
4:23
